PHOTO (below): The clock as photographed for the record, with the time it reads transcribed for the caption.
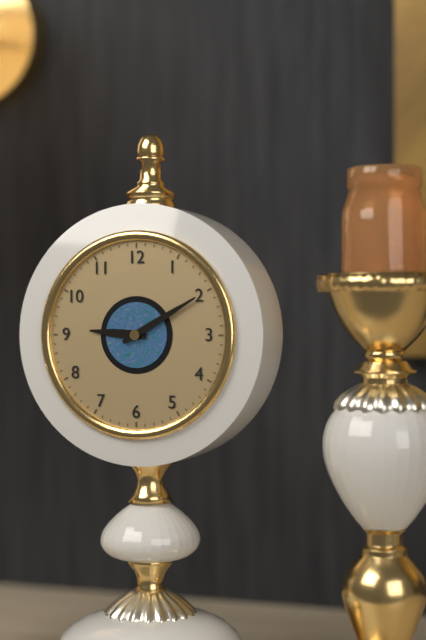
9:10
